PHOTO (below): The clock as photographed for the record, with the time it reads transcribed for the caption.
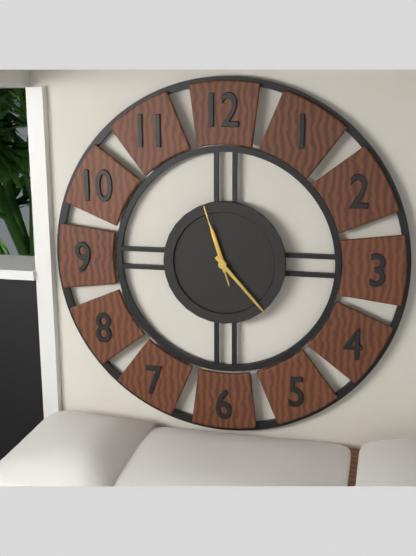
11:23:57
